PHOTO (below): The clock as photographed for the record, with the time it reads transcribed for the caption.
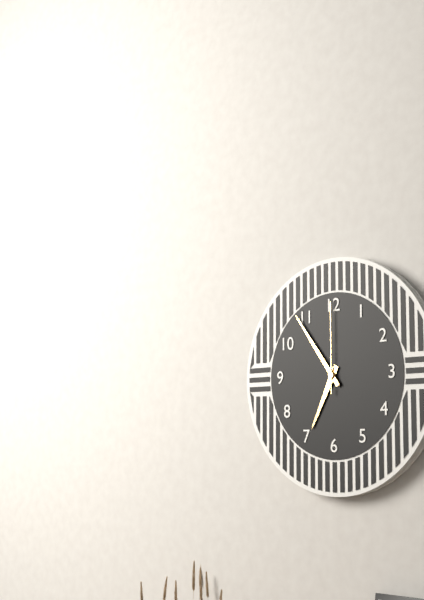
6:54:00
